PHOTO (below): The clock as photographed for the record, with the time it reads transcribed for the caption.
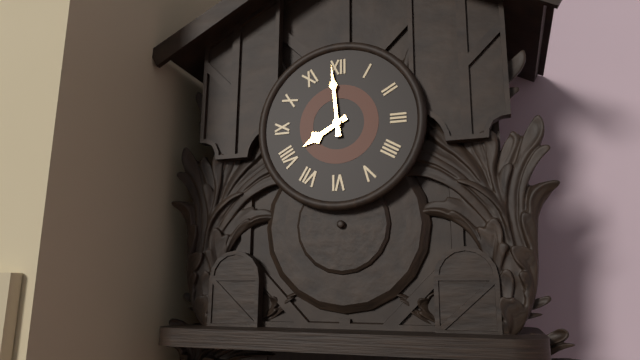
7:59
